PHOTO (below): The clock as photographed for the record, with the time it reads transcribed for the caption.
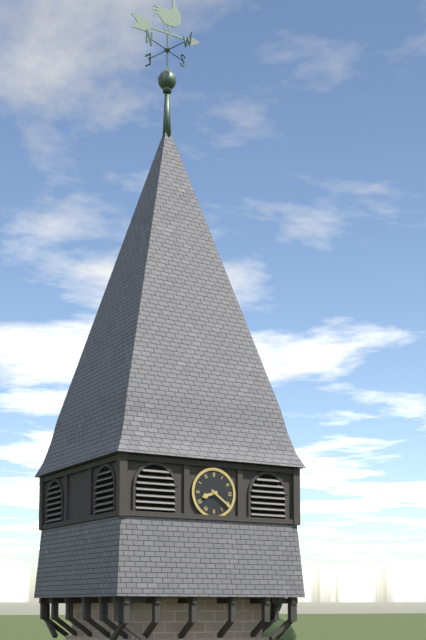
8:21
